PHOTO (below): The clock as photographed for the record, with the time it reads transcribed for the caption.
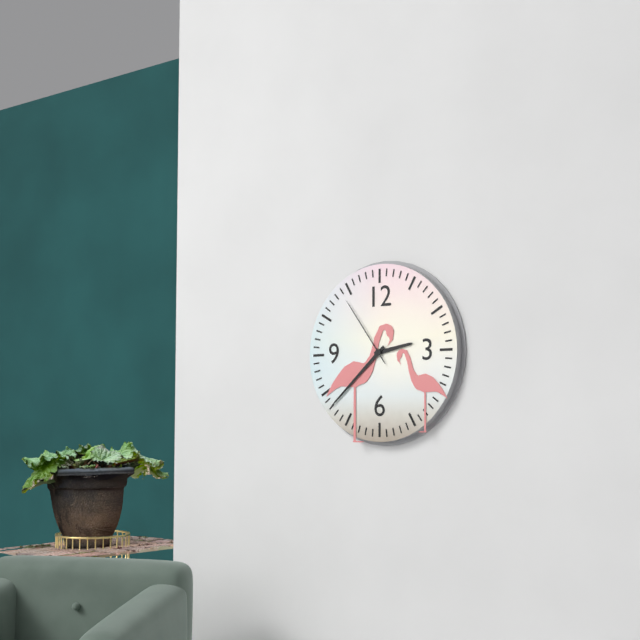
2:38:54
